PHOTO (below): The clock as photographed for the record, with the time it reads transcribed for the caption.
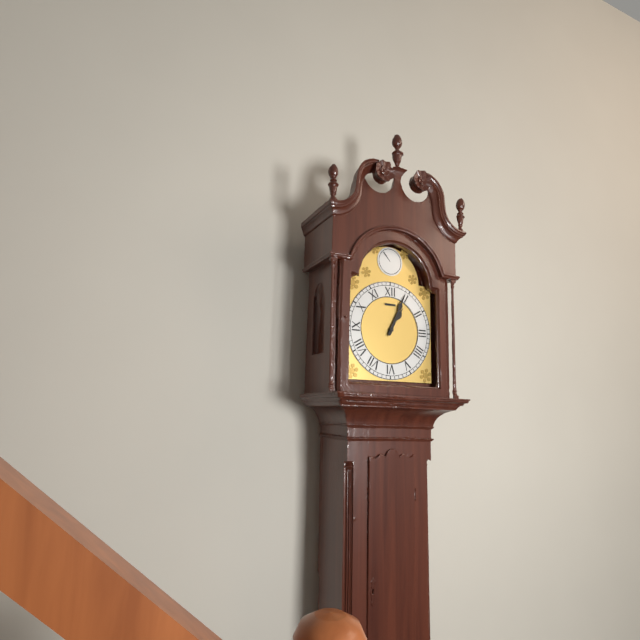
1:04
